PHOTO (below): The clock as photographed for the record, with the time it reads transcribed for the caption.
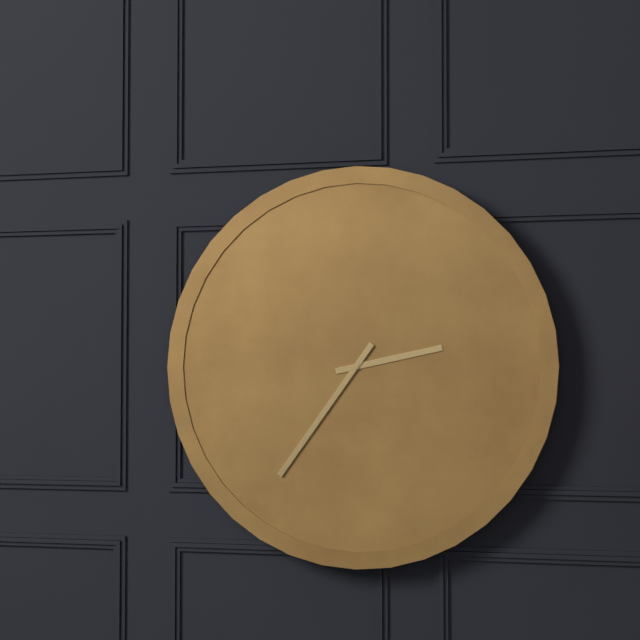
2:36
